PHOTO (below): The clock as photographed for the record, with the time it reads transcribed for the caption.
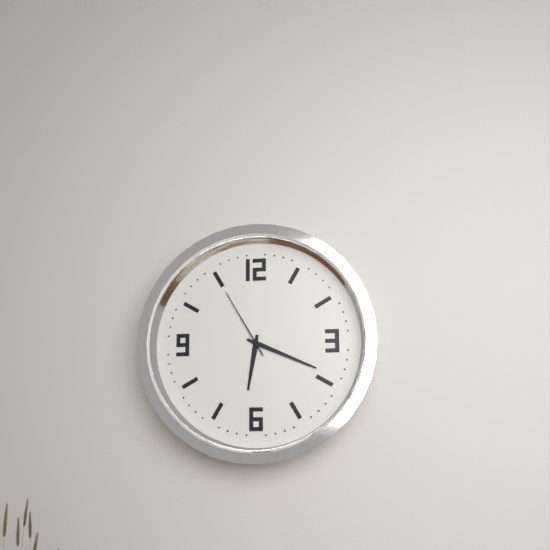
6:19:55
